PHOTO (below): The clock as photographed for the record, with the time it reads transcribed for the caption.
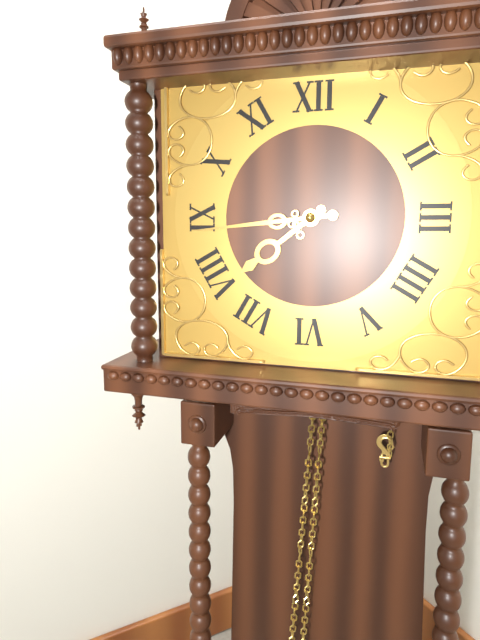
7:44
